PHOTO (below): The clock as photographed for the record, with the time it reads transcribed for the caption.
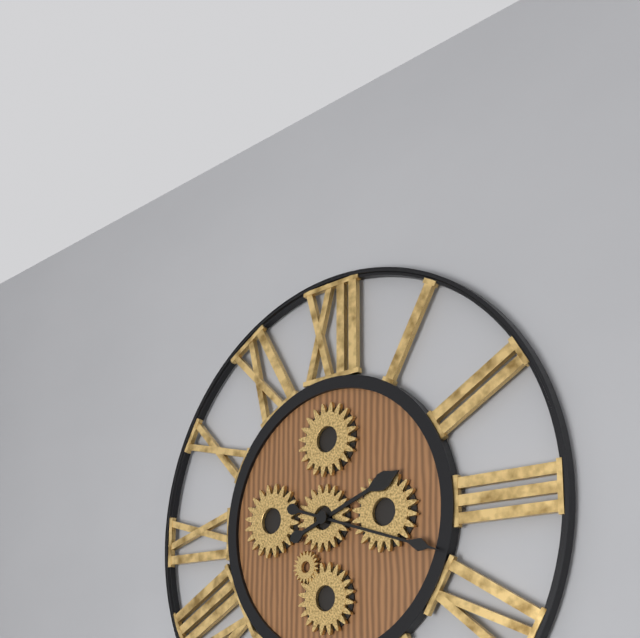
2:18
